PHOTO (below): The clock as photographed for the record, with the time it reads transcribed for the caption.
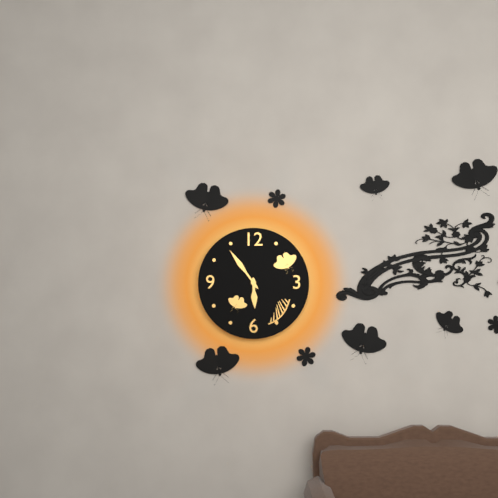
5:54
